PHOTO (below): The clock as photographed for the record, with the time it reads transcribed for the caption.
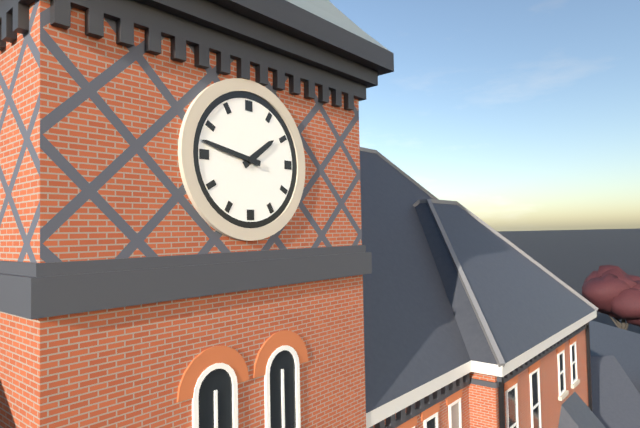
1:47
